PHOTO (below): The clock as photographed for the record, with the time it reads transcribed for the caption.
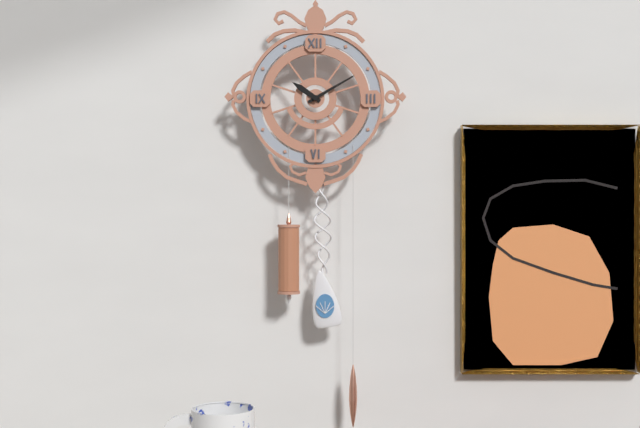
10:10
